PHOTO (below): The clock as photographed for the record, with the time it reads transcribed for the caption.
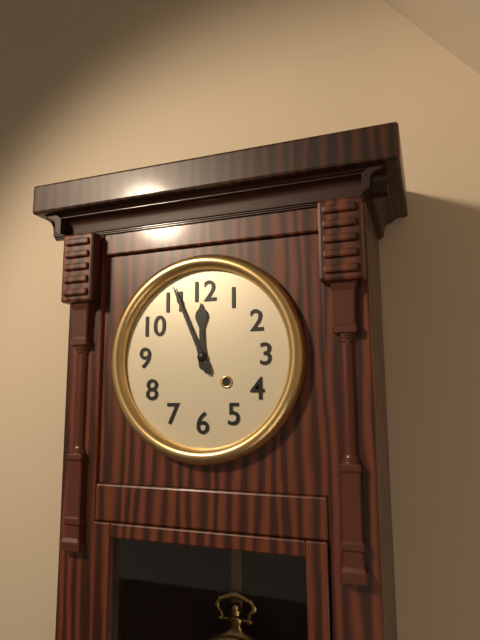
11:56
